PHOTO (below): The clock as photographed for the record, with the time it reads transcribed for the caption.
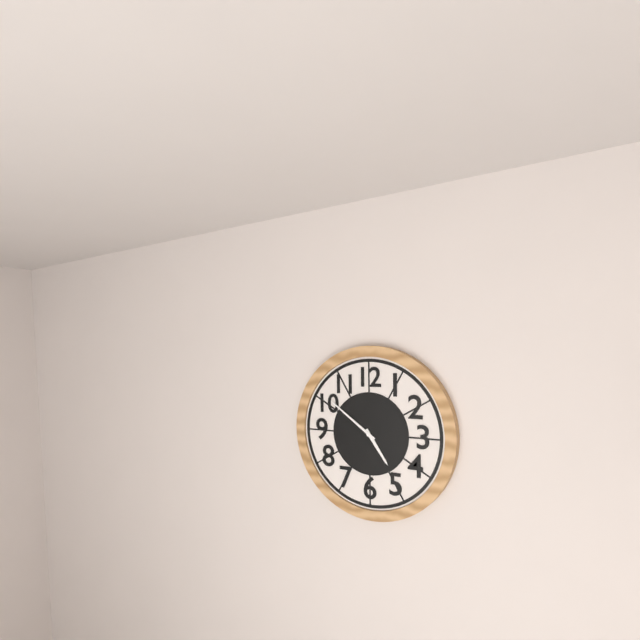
4:51
